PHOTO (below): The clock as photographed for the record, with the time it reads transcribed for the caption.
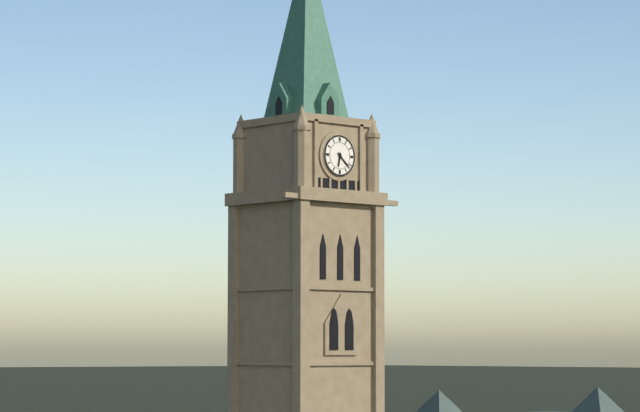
6:22
